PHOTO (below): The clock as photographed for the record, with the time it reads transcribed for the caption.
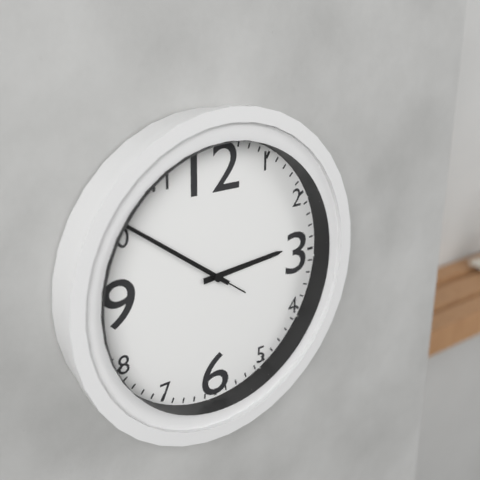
2:51:51
